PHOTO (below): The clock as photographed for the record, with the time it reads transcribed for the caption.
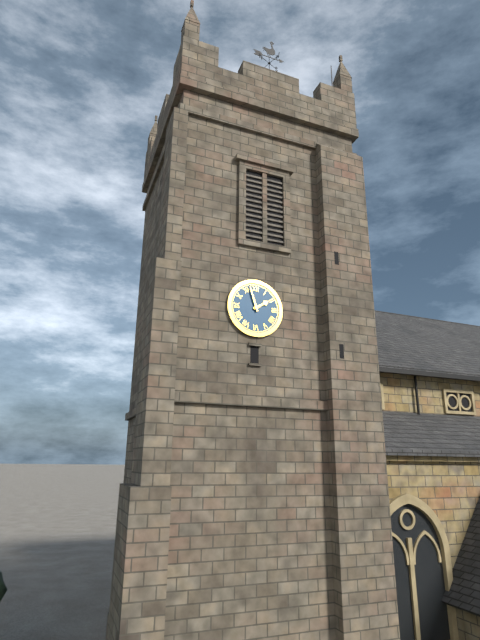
1:57
